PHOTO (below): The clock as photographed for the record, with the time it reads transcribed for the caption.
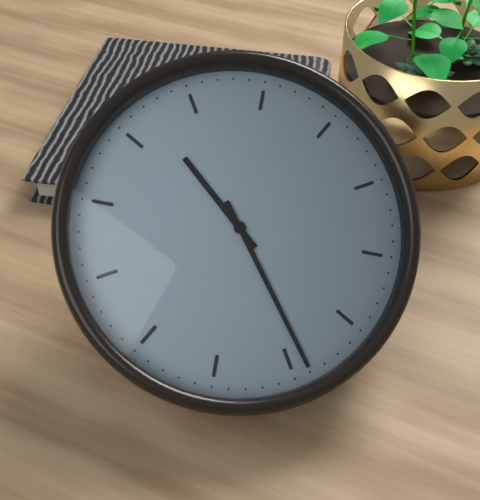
10:24
